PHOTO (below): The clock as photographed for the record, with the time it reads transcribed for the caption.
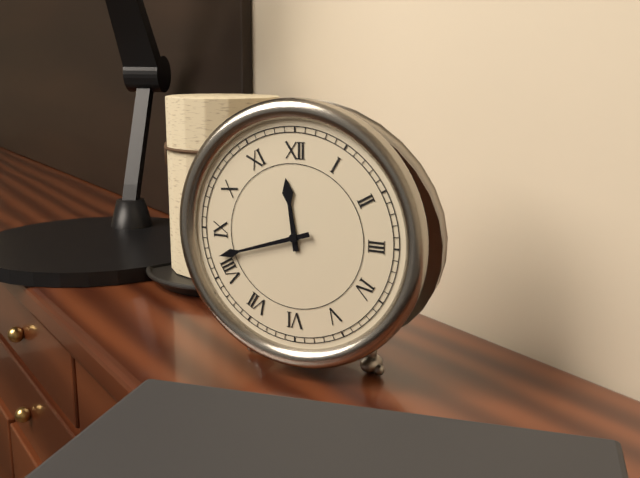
11:42
